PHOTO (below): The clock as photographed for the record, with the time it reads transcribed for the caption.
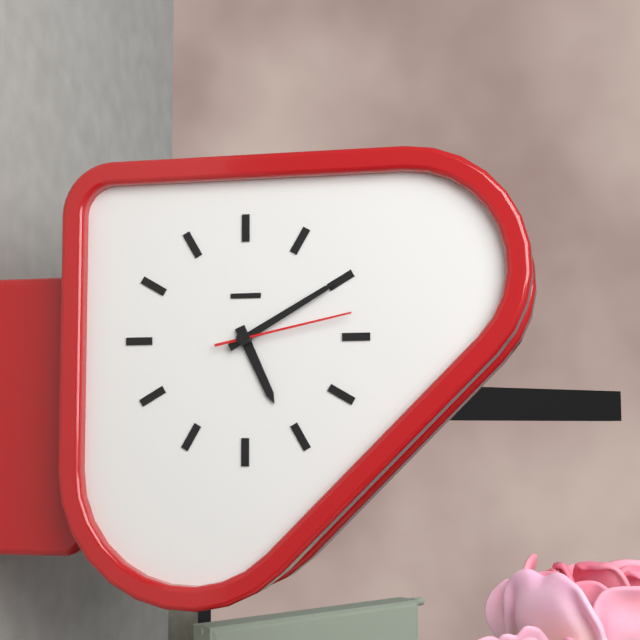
5:10:13
